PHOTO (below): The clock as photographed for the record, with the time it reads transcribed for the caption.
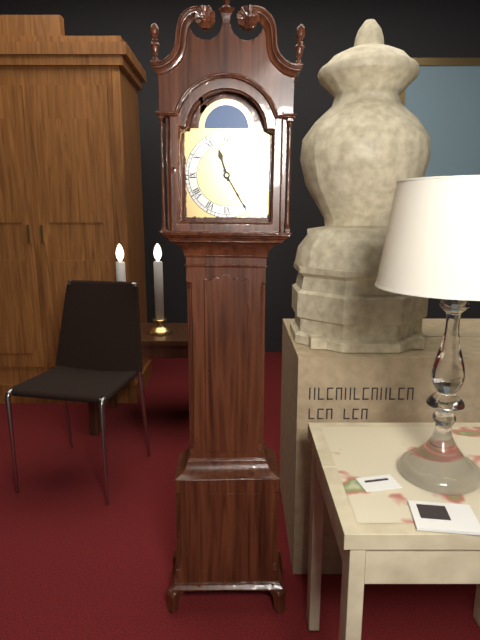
11:25
